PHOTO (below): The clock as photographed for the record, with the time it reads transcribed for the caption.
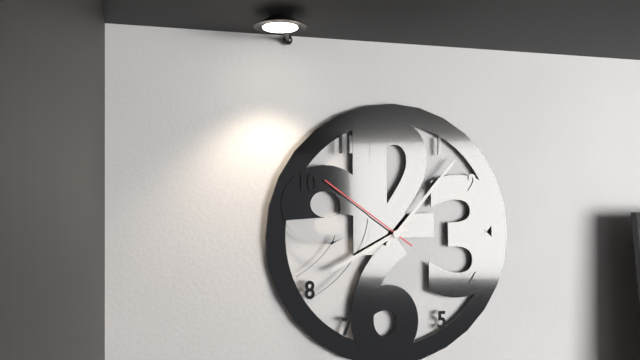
8:07:51
